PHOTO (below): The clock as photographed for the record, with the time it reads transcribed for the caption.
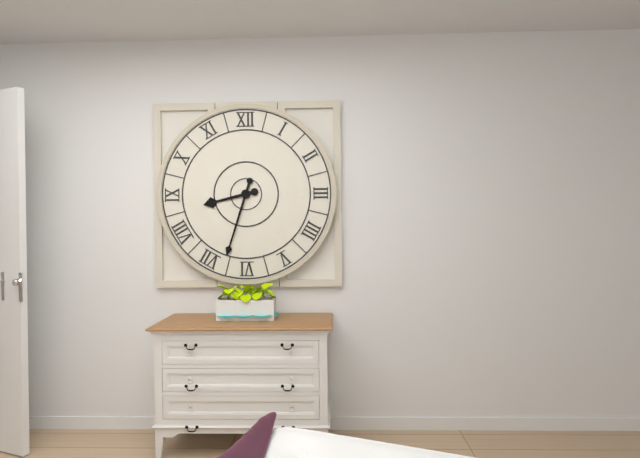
8:33
